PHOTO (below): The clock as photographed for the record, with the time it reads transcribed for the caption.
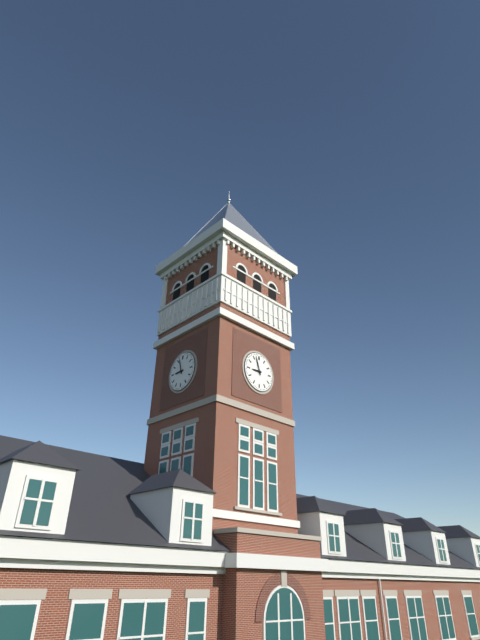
8:57
